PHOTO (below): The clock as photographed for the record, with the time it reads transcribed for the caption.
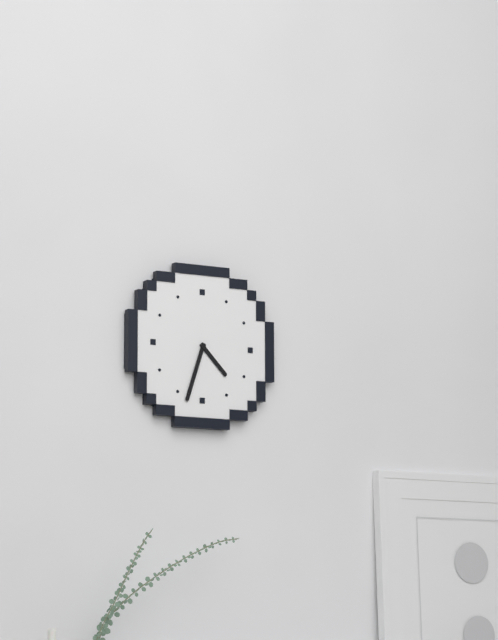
4:33
